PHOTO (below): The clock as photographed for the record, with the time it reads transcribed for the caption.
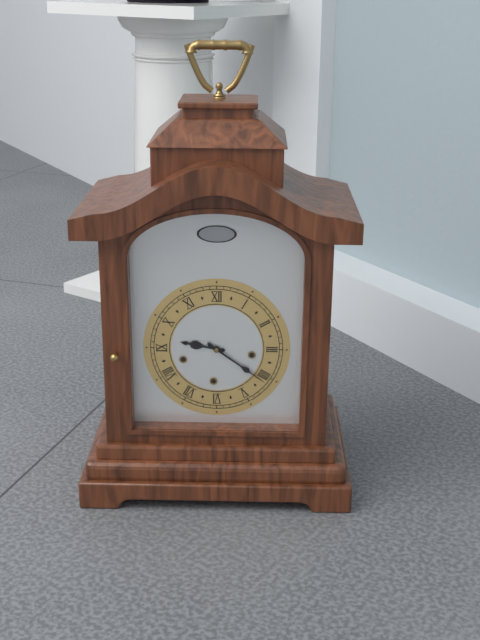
9:21
